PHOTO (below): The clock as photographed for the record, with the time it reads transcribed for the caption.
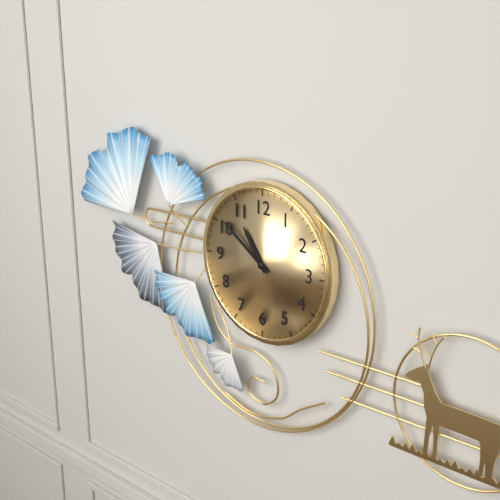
10:51
